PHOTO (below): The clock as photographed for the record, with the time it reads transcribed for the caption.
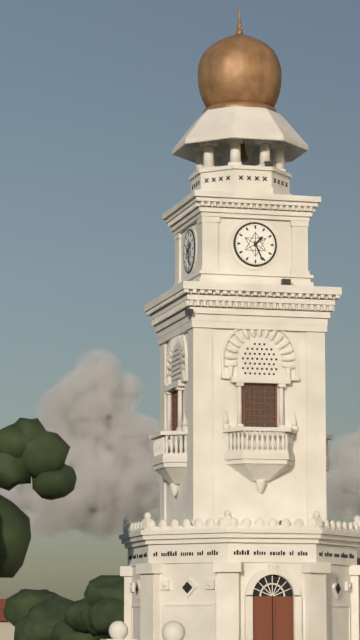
1:26
